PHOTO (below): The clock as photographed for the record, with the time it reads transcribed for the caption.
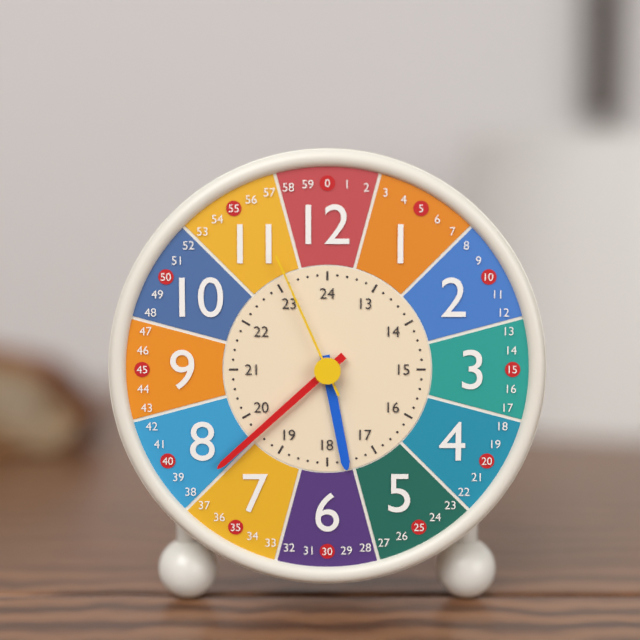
5:38:56
